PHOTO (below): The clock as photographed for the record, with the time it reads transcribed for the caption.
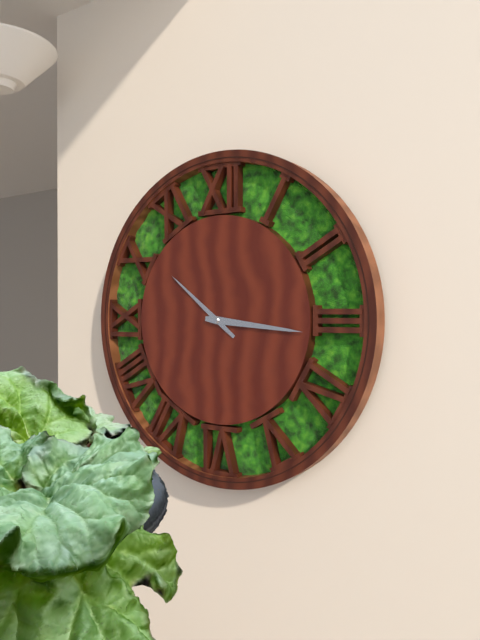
10:16
